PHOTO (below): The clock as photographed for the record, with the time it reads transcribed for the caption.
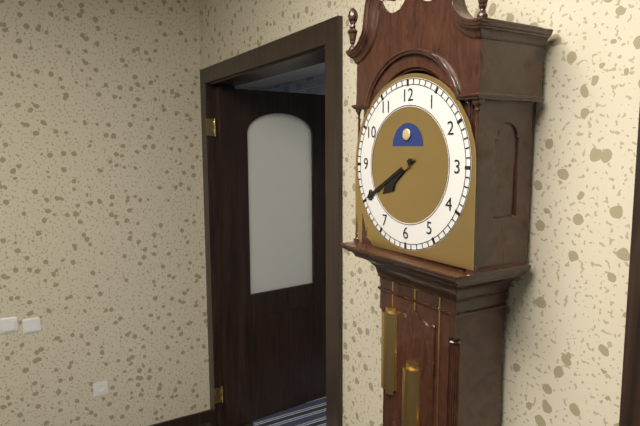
7:40
